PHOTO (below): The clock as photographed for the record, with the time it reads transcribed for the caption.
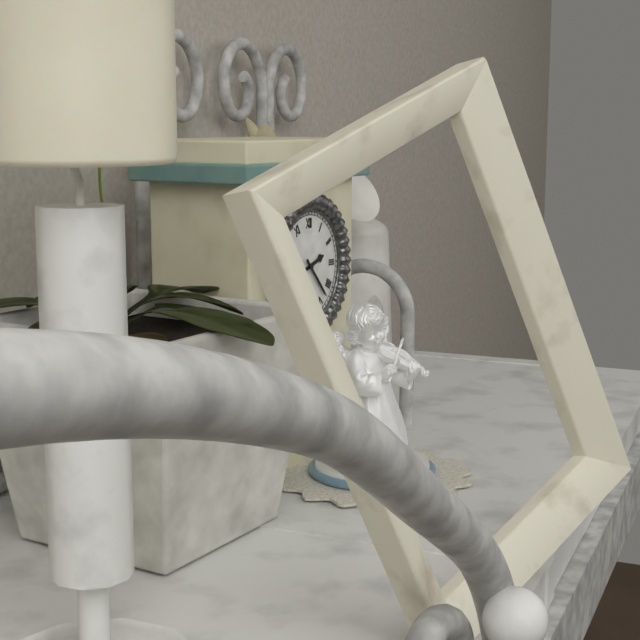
2:23
